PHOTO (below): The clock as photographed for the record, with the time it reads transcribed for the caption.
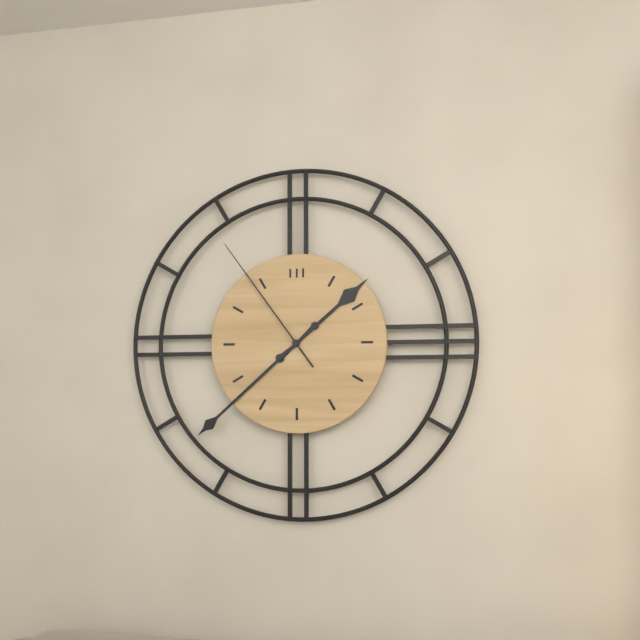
1:38:54
